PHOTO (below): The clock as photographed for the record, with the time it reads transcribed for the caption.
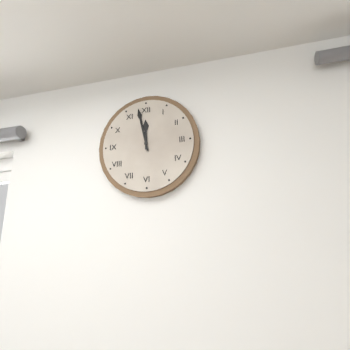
11:58
